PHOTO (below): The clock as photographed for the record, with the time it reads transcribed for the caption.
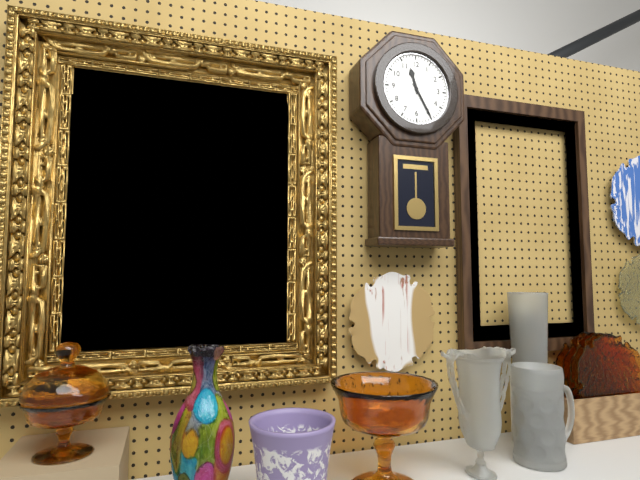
11:25
